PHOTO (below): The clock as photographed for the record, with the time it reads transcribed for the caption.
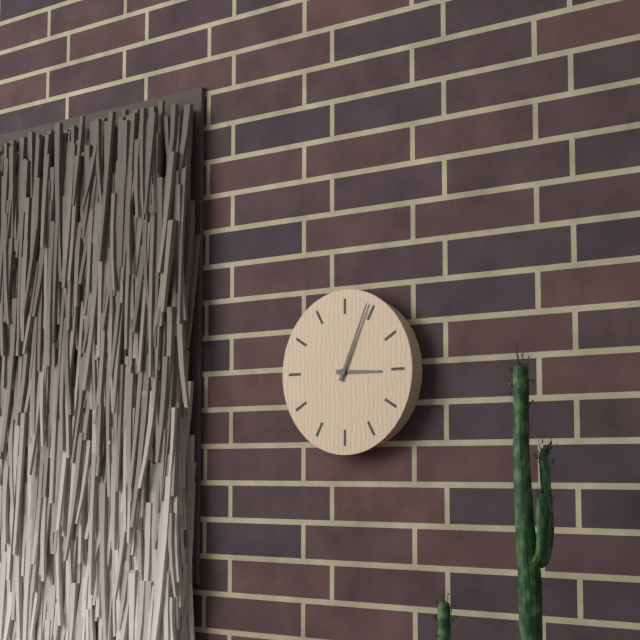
3:04
